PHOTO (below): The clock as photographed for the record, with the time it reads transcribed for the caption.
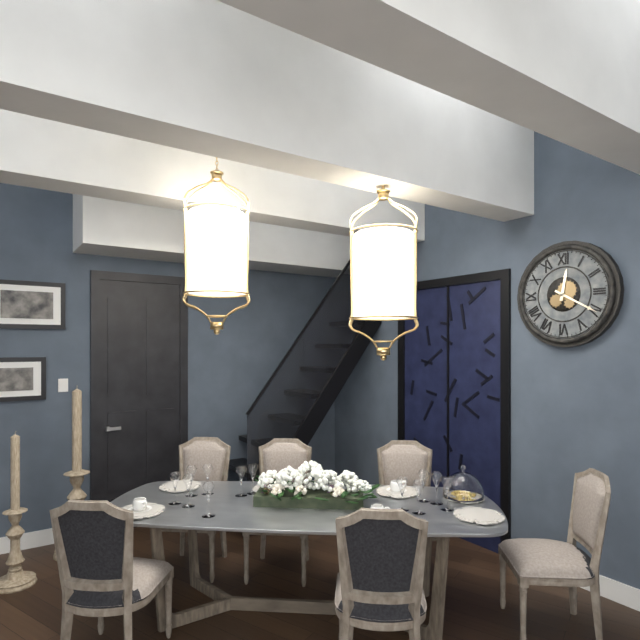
12:20
